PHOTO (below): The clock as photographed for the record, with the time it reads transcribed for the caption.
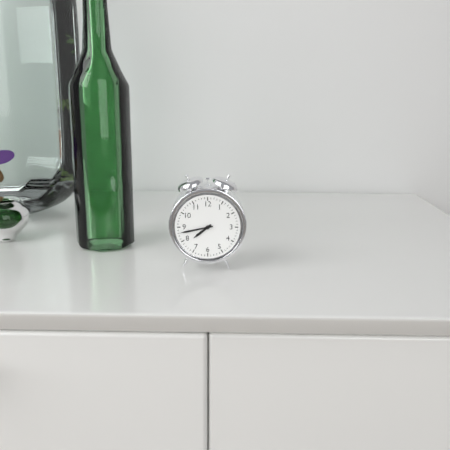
7:43
